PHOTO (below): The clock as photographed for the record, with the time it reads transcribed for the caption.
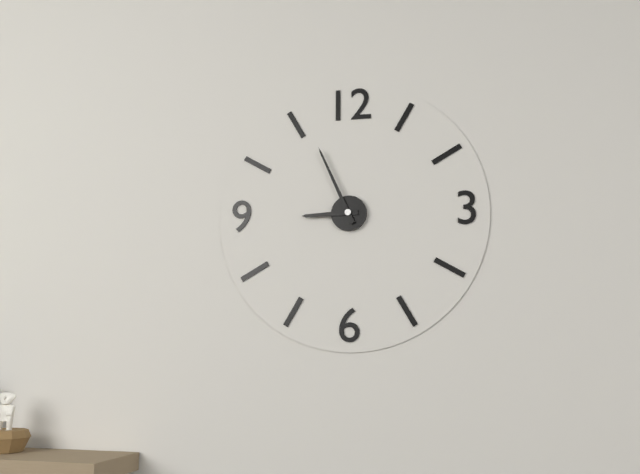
8:56
